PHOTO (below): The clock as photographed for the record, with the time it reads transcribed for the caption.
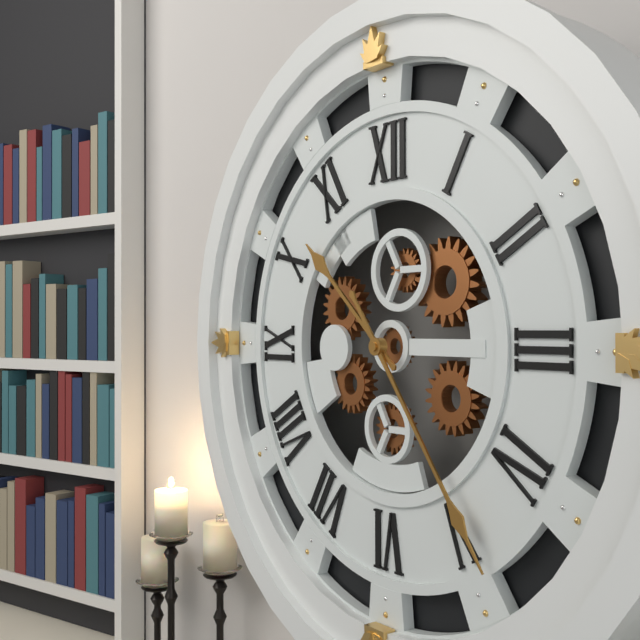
10:24
